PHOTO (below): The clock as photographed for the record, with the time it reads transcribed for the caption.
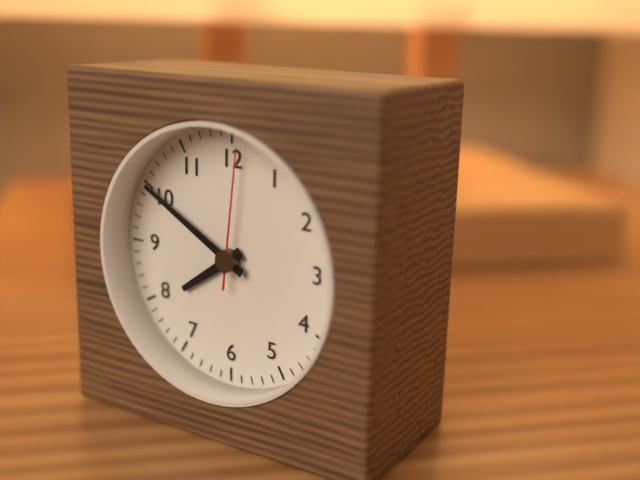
7:50:01
